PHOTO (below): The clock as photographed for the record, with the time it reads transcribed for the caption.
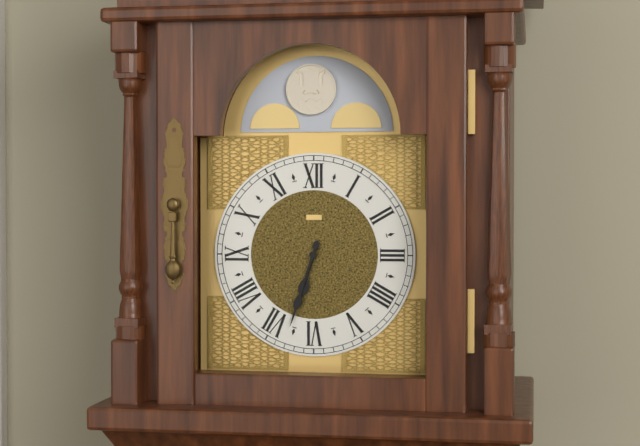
6:33
